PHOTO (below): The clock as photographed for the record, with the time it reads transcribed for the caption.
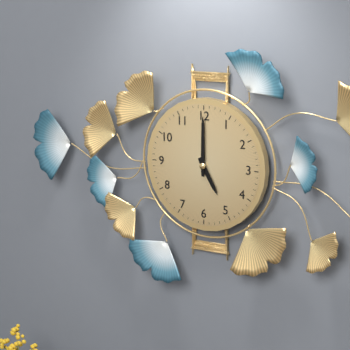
5:00
